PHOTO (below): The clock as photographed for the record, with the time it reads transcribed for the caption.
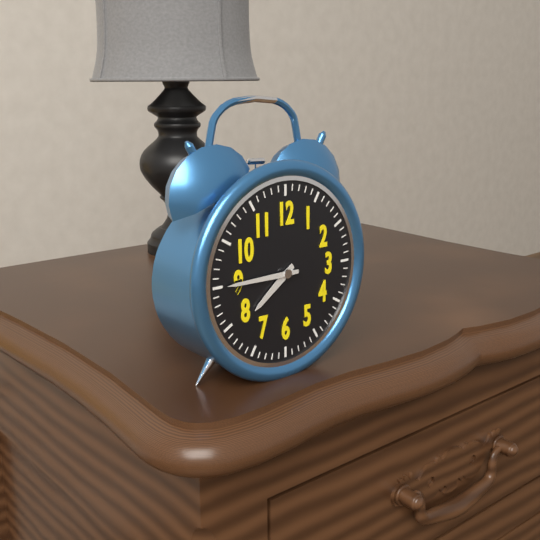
7:45
